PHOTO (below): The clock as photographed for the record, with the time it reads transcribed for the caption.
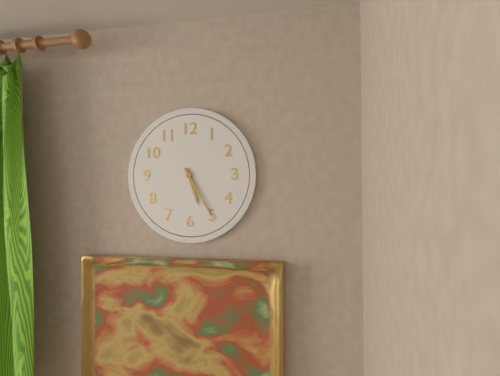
5:25
